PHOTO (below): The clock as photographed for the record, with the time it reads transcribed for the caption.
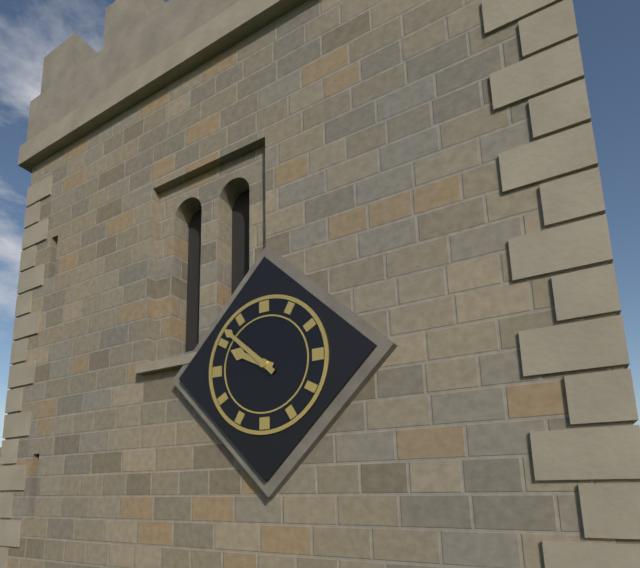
9:52
